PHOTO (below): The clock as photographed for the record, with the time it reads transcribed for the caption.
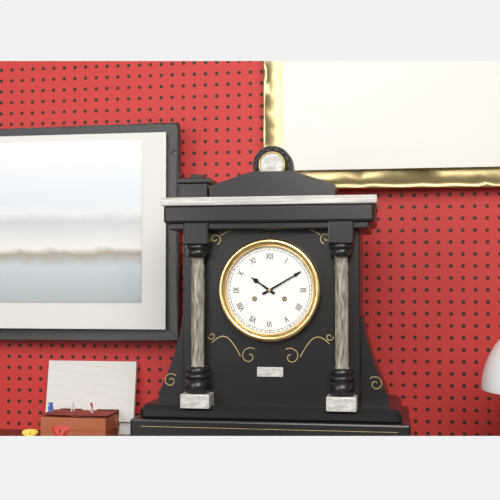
10:10
